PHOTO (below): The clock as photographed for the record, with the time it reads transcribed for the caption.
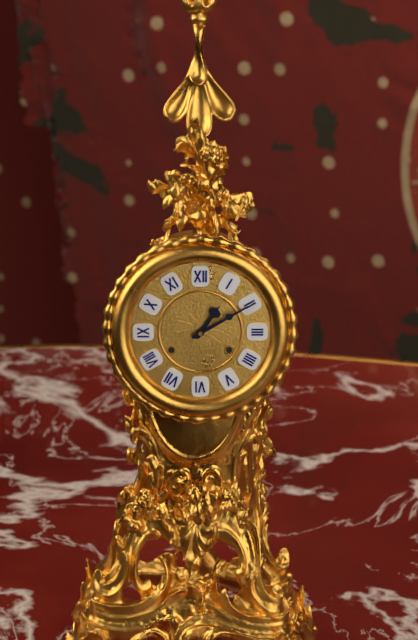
1:10
